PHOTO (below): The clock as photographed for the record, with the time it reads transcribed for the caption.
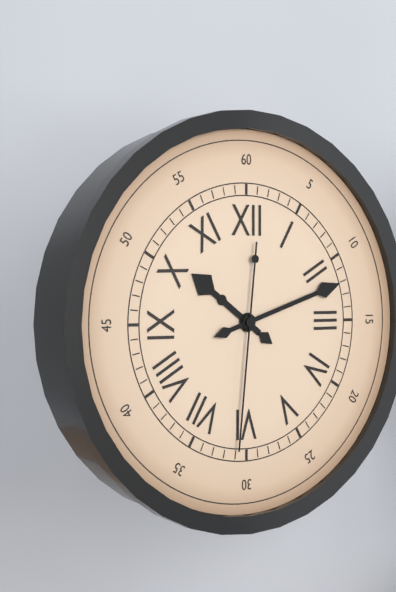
10:12:31
